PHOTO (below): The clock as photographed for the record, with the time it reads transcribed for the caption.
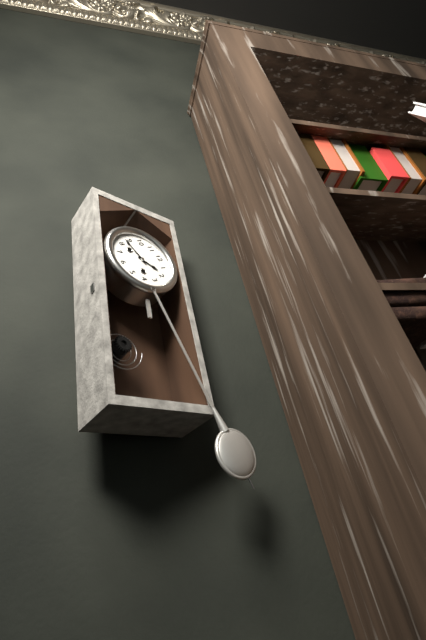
1:43
